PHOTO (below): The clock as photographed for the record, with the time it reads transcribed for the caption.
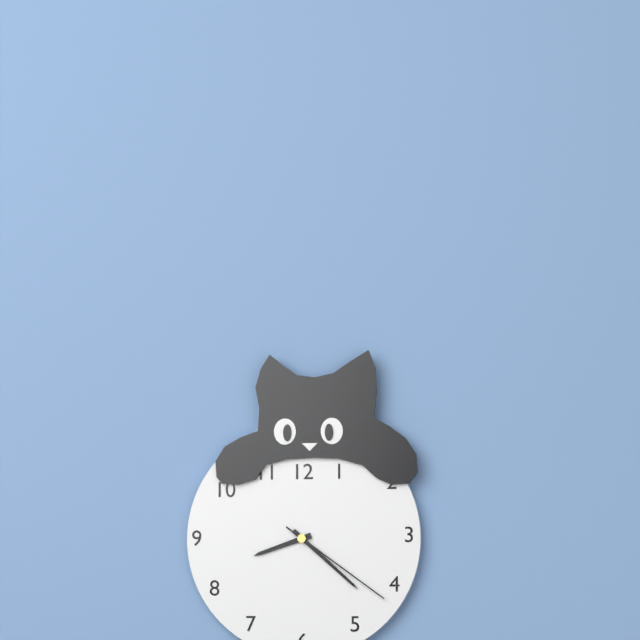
8:22:21
